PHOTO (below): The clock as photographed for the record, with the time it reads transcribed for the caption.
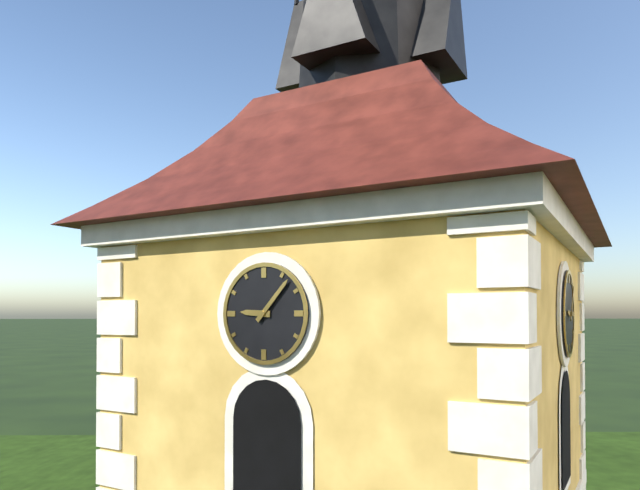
9:07
